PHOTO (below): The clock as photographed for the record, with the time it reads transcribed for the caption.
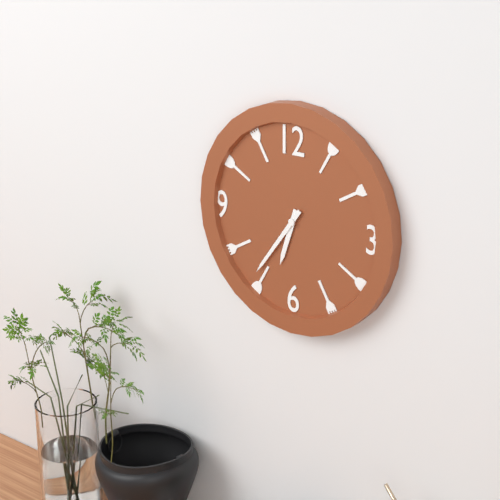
6:36
